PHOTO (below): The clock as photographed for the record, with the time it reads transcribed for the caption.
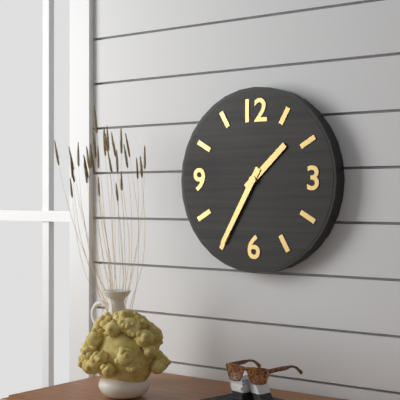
1:35
